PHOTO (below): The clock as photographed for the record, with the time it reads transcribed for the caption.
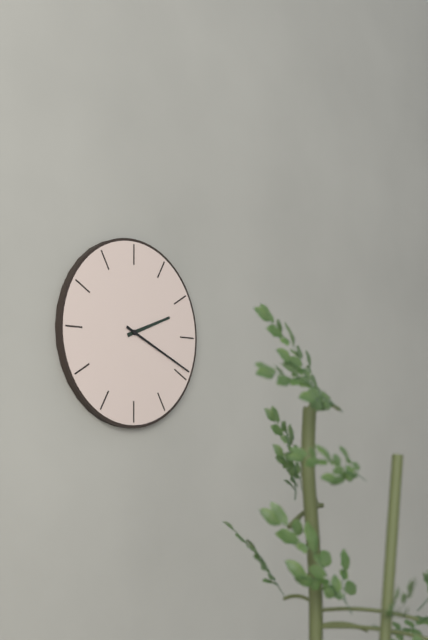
2:19
